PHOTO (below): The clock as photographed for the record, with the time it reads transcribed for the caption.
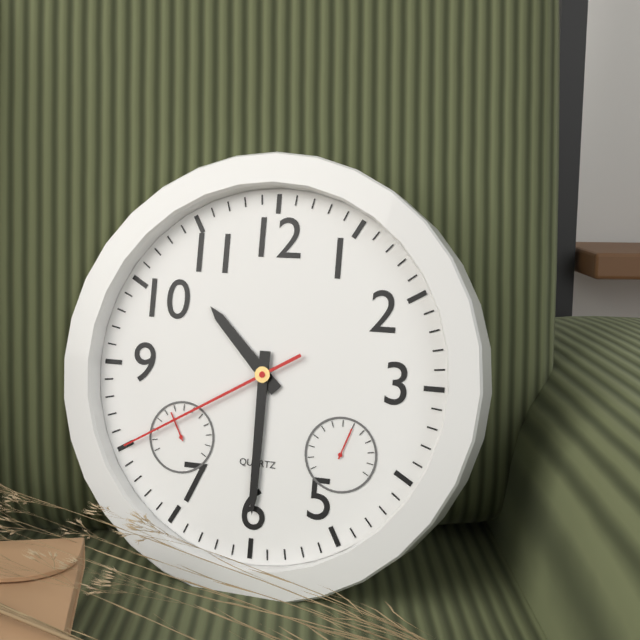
10:30:40
